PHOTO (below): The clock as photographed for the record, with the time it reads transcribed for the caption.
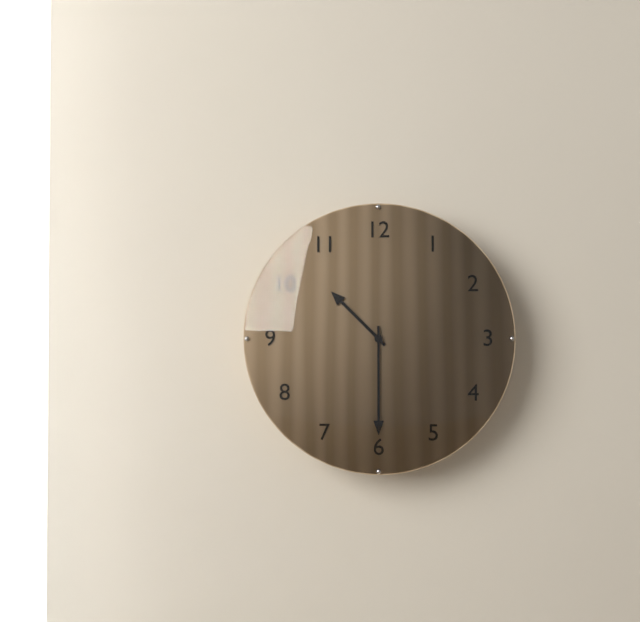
10:30
